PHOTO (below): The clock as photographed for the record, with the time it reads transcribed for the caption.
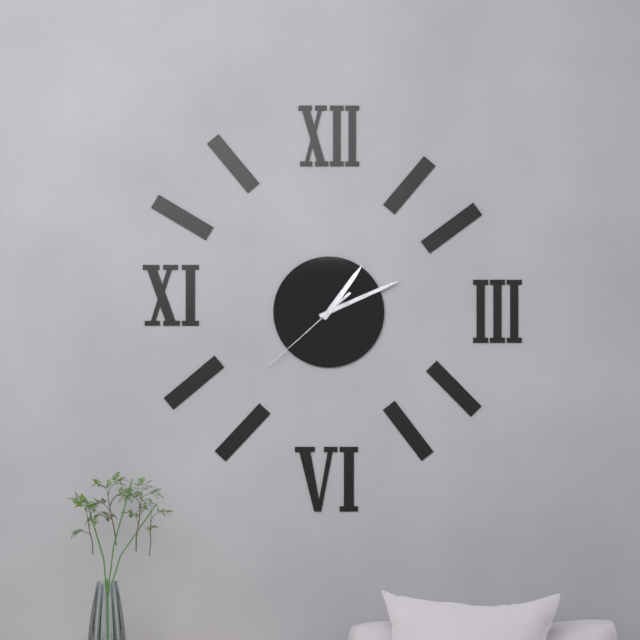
1:11:38
